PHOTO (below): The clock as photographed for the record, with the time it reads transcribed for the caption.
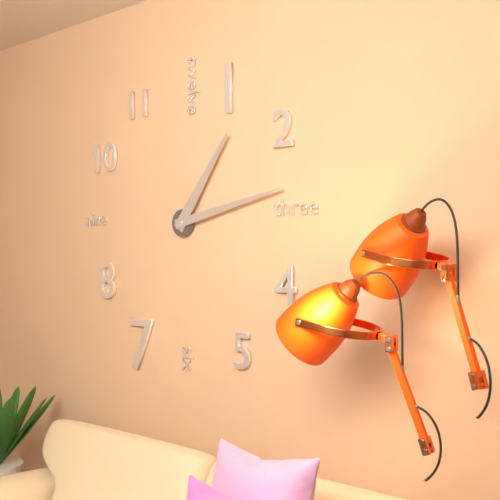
1:13
